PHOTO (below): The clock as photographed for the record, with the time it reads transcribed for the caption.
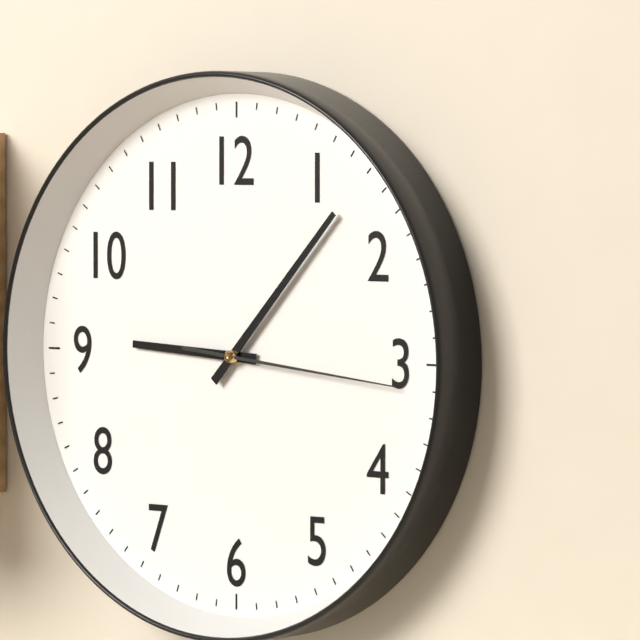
9:07:16
